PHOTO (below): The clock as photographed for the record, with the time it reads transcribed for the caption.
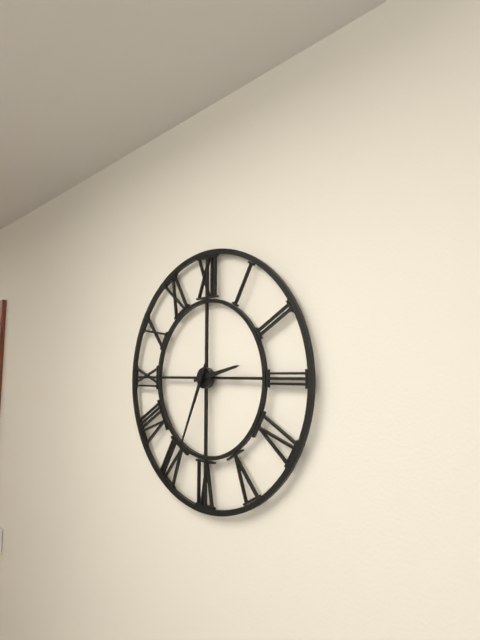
2:34
